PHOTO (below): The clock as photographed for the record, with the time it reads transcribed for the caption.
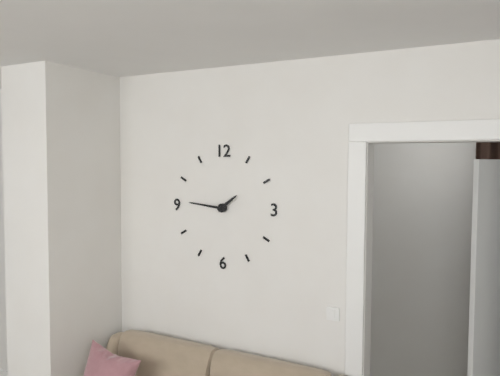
1:46
